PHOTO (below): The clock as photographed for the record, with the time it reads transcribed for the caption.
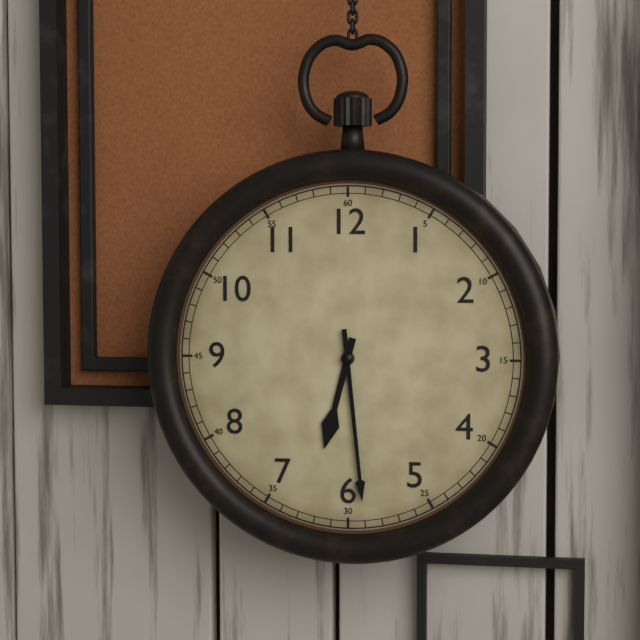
6:29
